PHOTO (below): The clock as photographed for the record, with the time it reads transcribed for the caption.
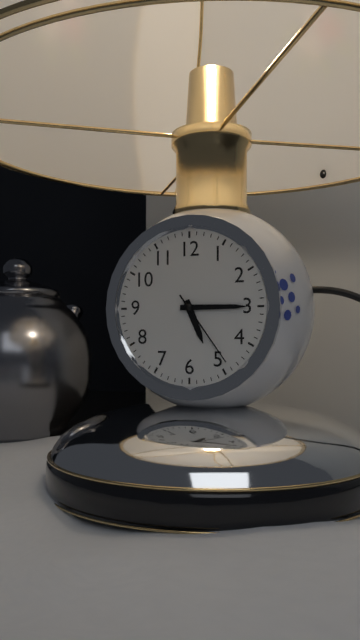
5:15:24
